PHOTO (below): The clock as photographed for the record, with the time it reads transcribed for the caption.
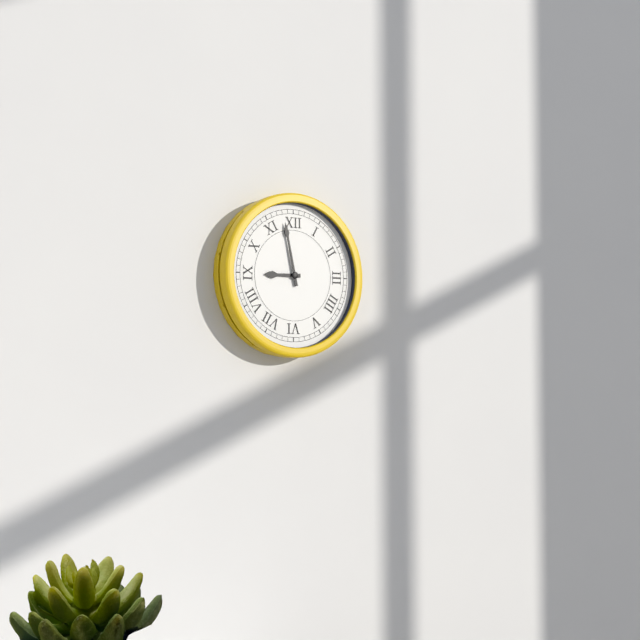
8:58
